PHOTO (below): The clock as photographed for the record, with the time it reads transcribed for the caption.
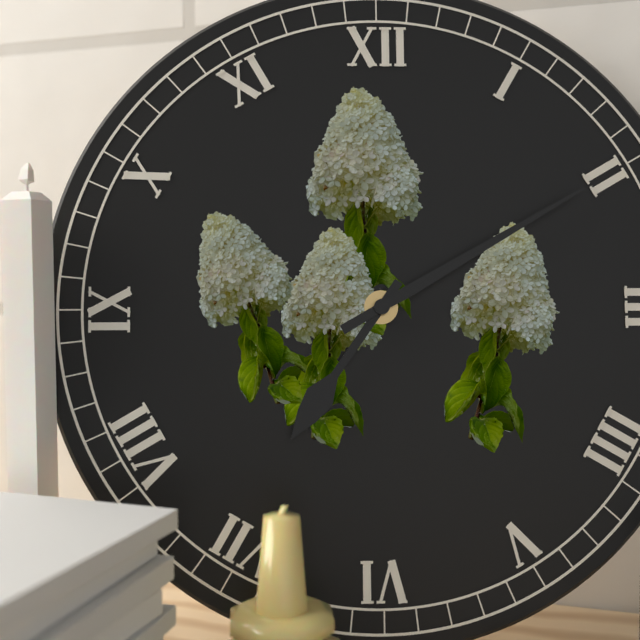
7:10
